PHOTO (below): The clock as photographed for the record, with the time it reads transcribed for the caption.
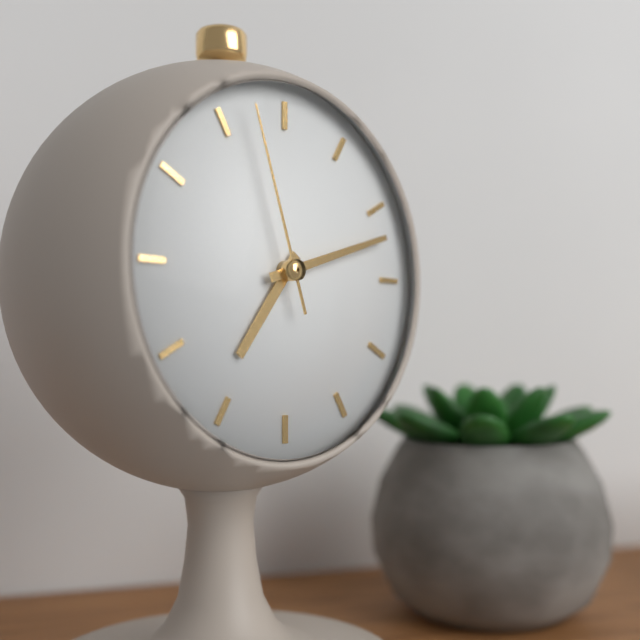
7:12:57
